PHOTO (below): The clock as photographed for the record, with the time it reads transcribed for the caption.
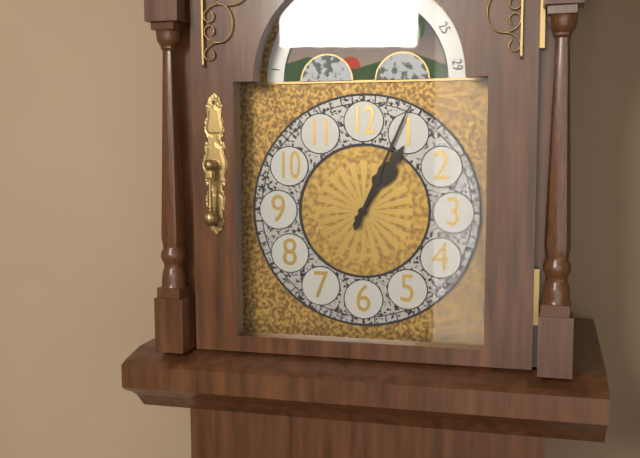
1:04
